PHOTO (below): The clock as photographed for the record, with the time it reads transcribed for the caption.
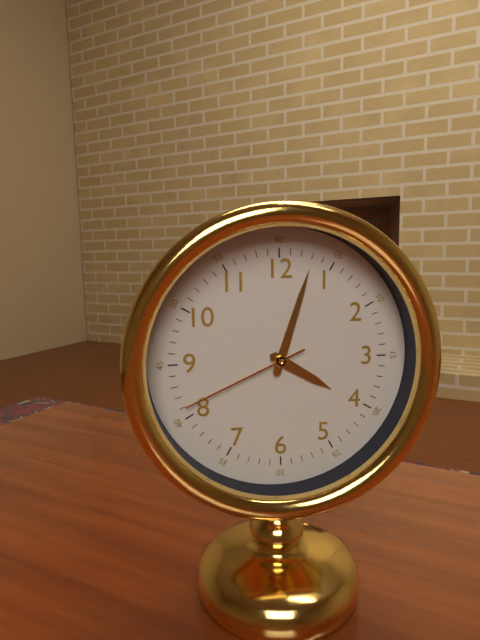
4:03:41
